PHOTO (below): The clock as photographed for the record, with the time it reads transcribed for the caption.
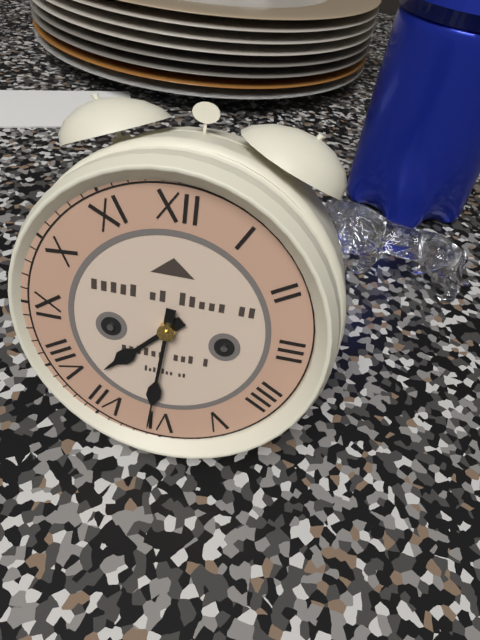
7:31
